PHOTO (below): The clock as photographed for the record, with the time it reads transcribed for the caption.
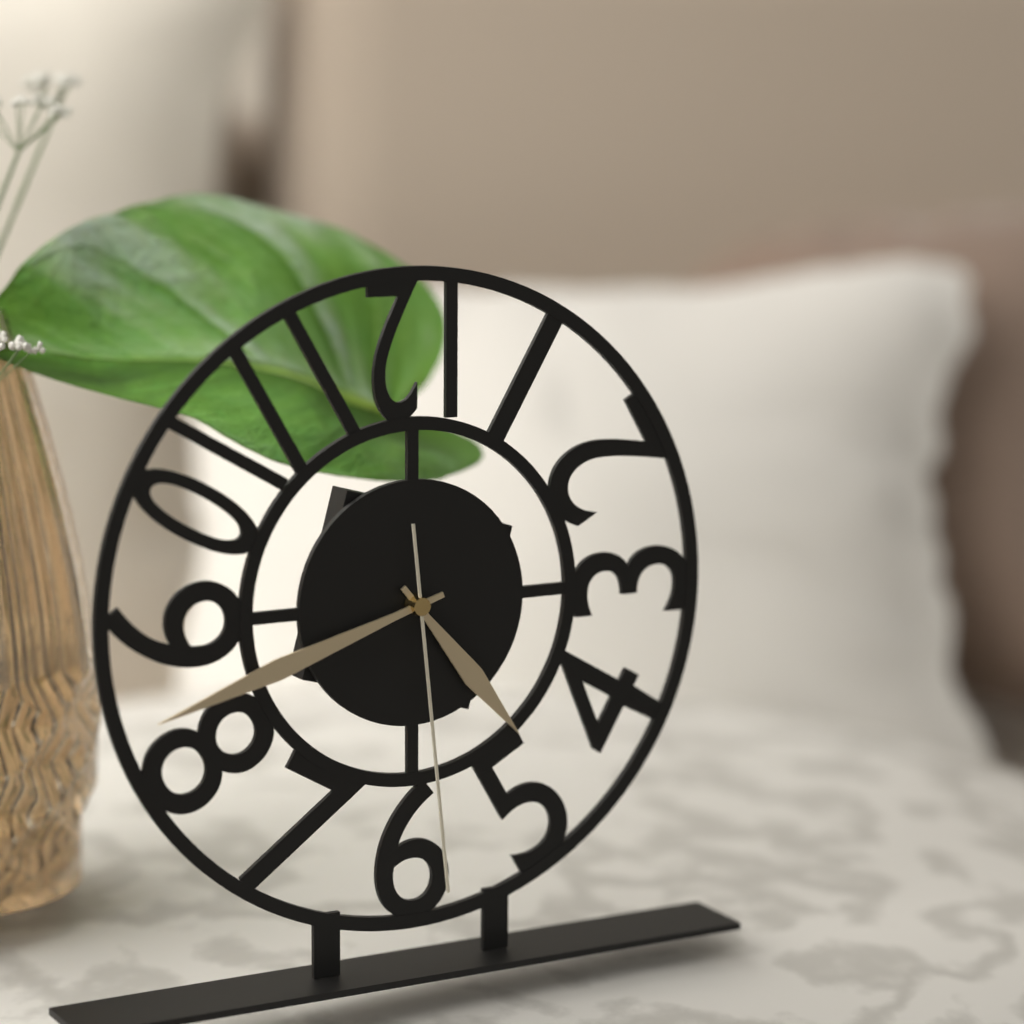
4:42:29
